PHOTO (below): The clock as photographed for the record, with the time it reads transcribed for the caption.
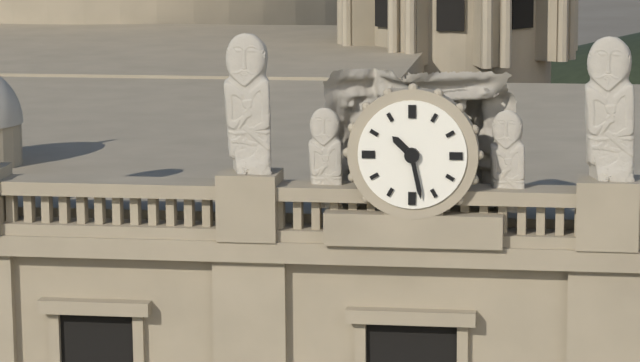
10:28
